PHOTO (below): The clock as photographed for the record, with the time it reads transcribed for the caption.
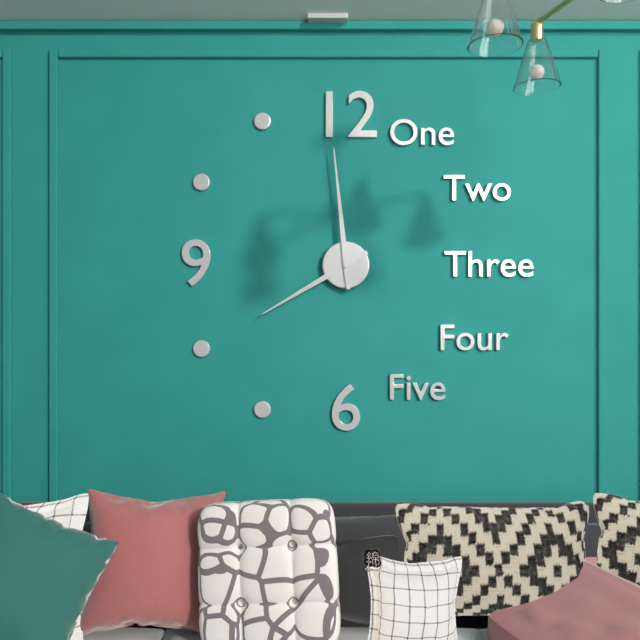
7:59
